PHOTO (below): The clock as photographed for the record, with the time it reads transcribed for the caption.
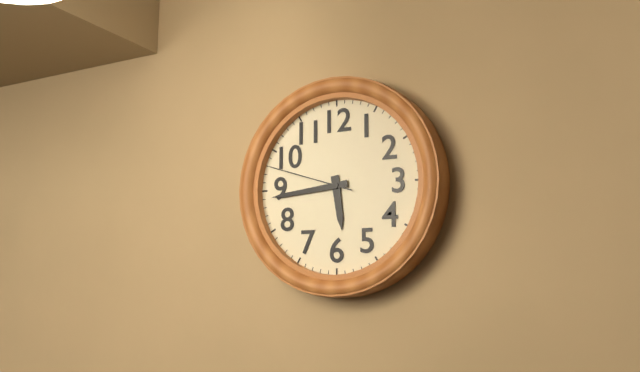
5:44:48
